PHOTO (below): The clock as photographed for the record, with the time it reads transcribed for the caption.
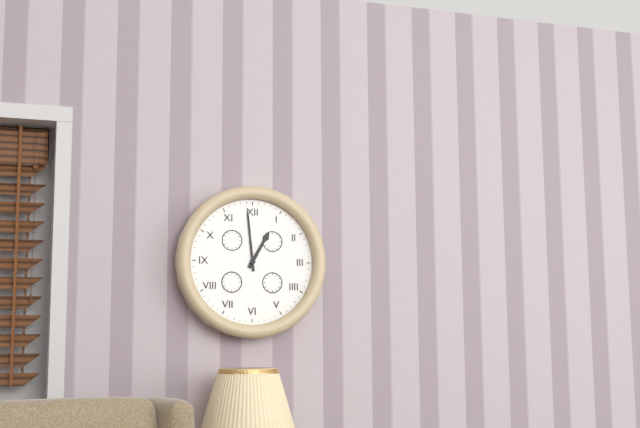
12:59
